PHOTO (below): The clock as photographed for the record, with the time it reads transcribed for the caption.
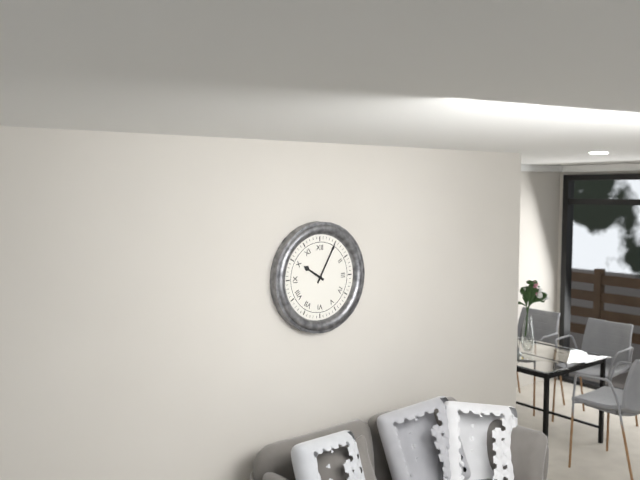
10:05
